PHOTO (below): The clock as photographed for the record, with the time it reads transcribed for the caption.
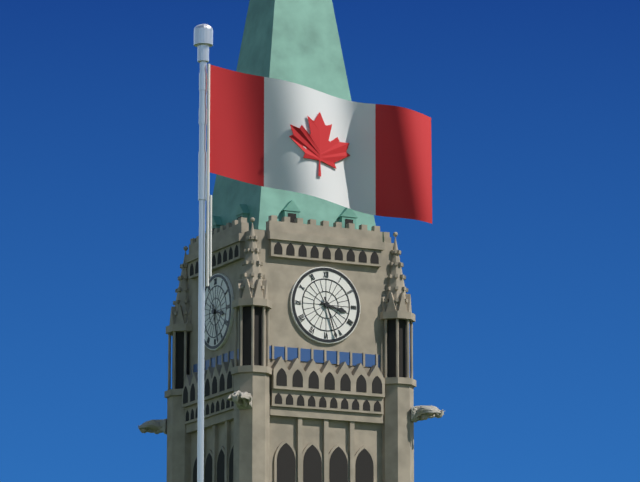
3:27
